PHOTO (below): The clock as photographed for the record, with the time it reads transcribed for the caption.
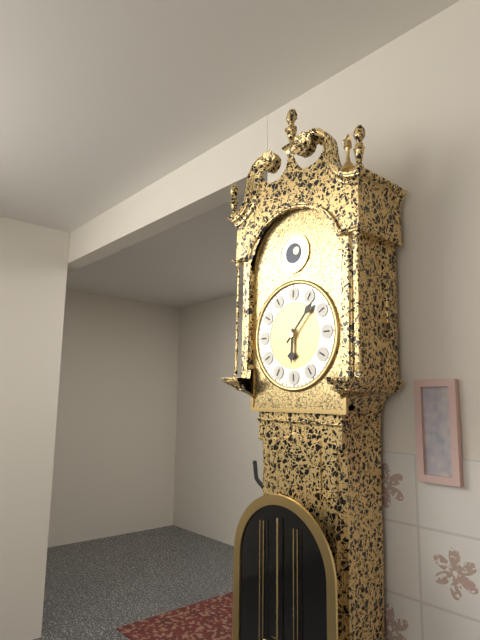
6:07
